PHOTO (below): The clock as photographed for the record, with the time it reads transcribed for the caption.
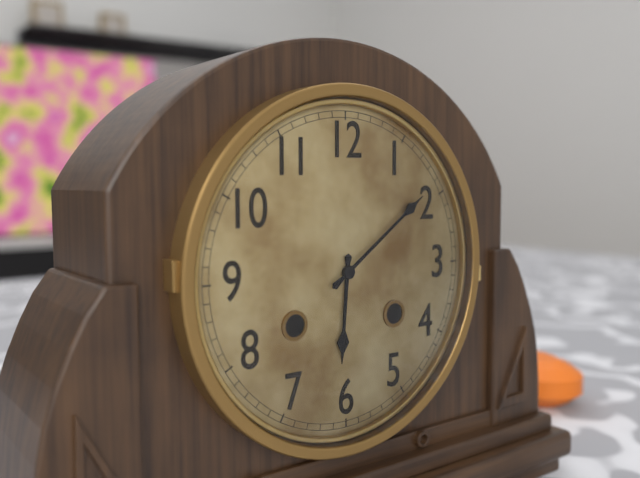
6:09
